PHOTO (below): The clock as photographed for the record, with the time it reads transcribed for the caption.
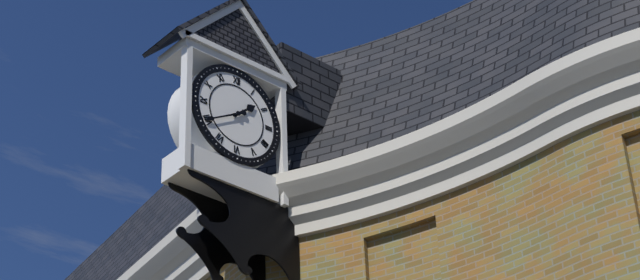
1:40
